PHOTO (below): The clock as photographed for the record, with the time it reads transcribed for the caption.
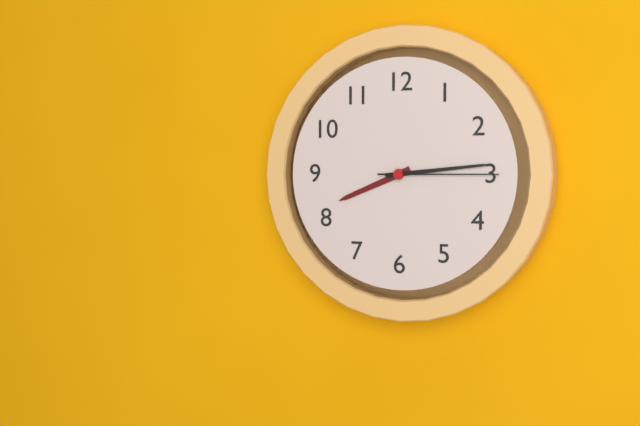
8:14:15
